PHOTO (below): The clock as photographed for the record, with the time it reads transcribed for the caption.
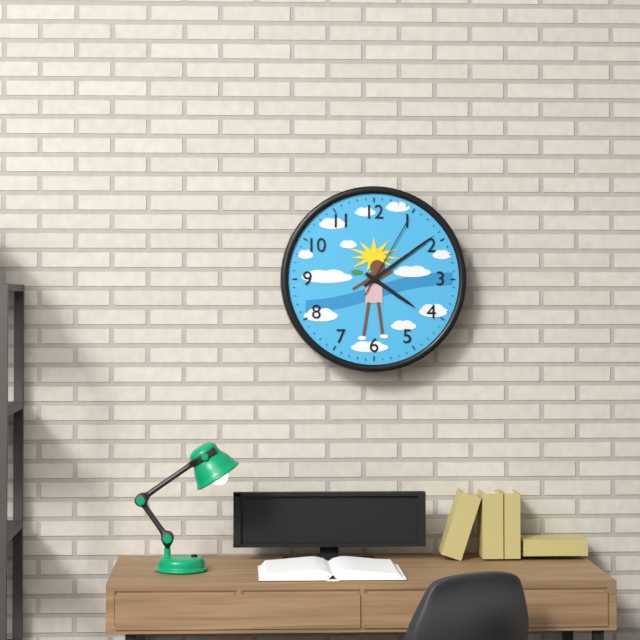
4:09:05
